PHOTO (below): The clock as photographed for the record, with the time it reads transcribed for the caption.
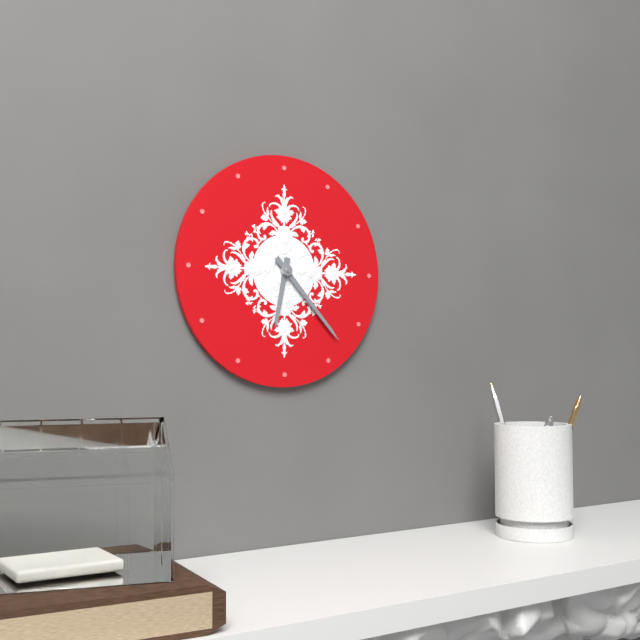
6:23
